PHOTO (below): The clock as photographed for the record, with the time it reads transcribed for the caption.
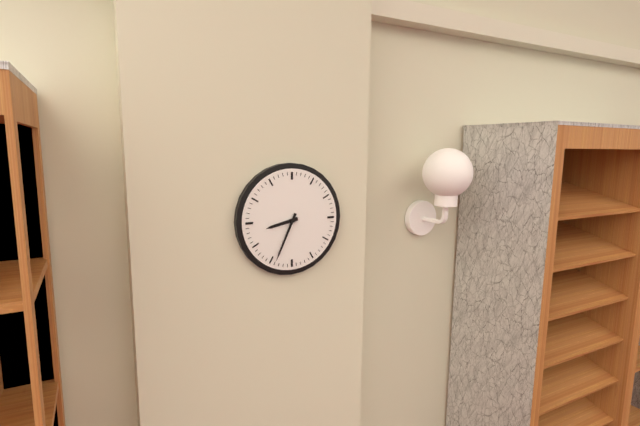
8:34
